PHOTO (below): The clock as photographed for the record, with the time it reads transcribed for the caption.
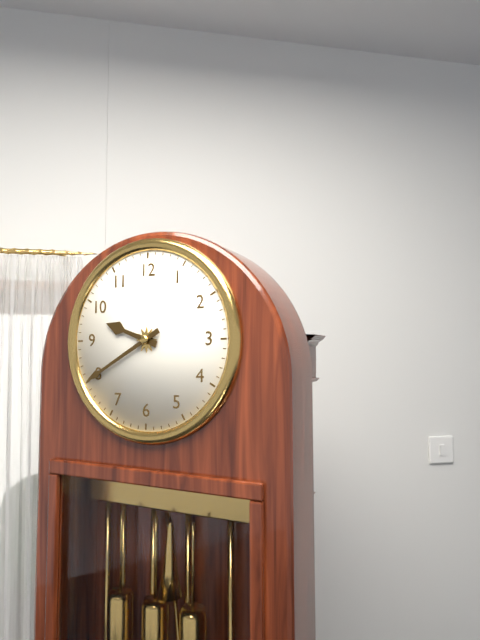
9:40
